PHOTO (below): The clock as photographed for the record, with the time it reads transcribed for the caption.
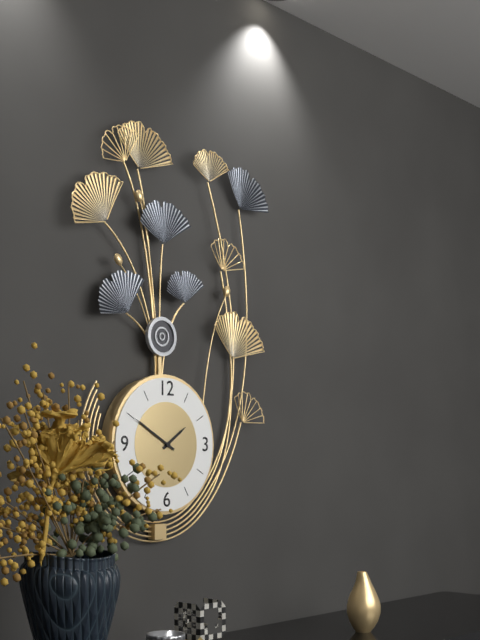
1:50
